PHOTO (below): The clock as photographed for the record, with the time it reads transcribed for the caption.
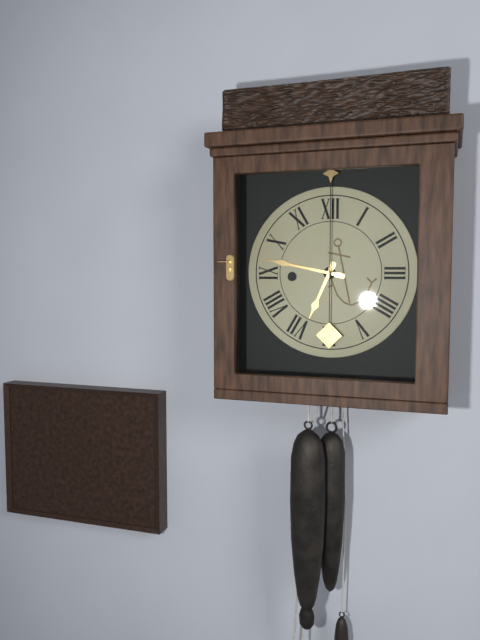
6:47
